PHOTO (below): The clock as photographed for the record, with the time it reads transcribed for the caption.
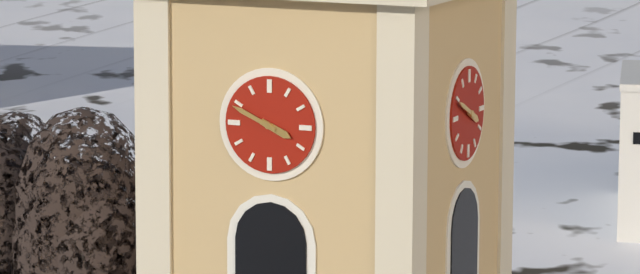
3:49
